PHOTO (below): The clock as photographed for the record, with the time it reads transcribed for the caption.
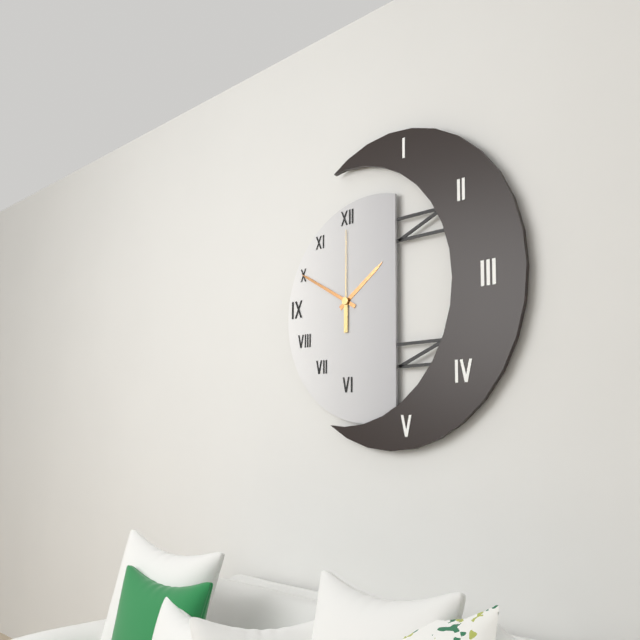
1:50:00
